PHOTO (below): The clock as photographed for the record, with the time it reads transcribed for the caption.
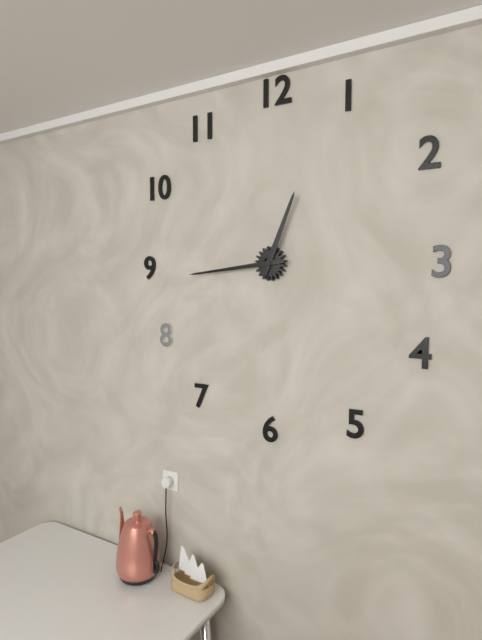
12:44
